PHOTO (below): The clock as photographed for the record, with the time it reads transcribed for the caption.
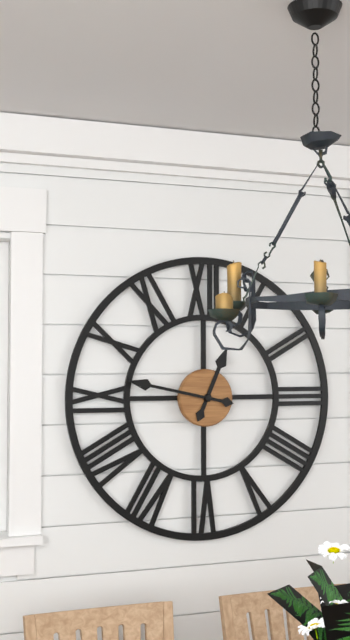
12:47
